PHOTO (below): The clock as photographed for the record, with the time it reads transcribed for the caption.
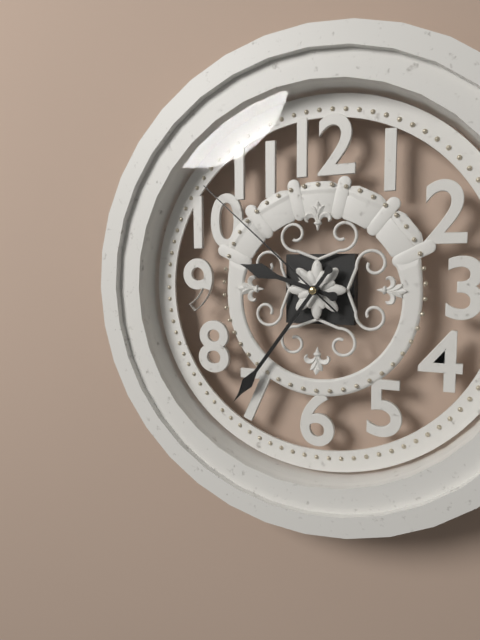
9:36:52
